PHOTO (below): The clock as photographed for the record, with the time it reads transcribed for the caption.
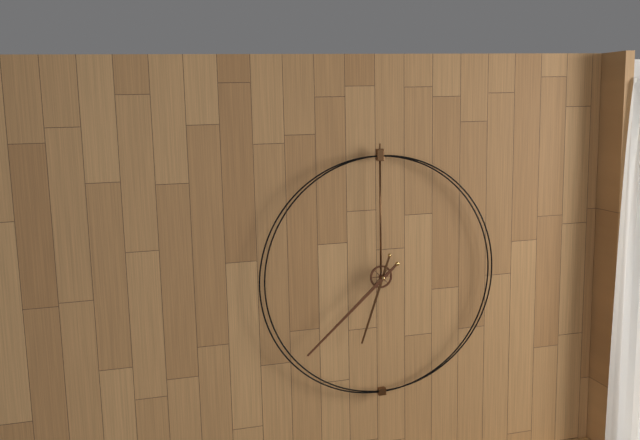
6:38
